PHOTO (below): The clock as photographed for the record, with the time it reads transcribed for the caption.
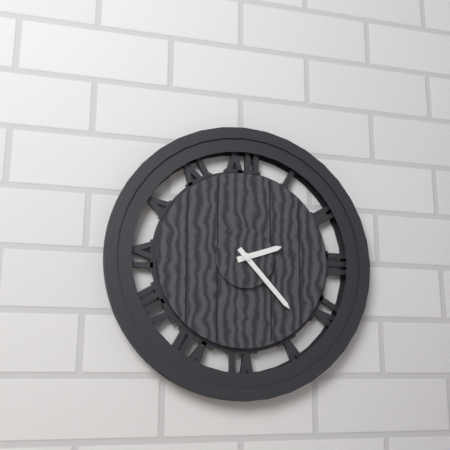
2:23
